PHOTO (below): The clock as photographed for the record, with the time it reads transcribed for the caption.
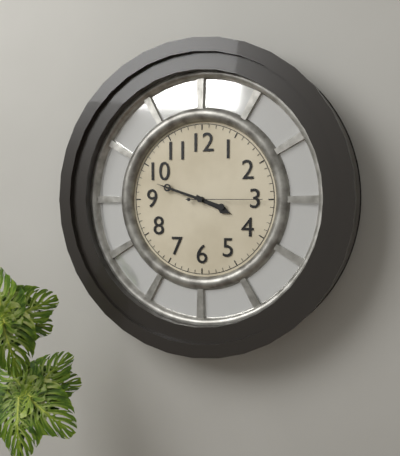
3:48:15
